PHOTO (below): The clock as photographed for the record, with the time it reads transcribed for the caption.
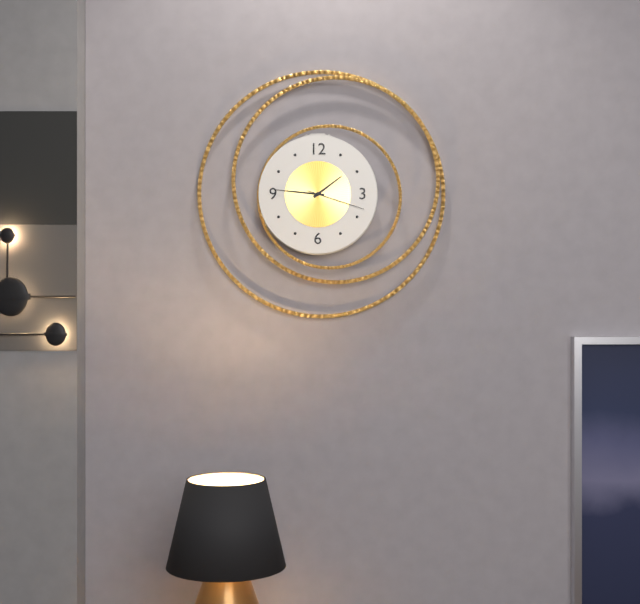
1:46:18
